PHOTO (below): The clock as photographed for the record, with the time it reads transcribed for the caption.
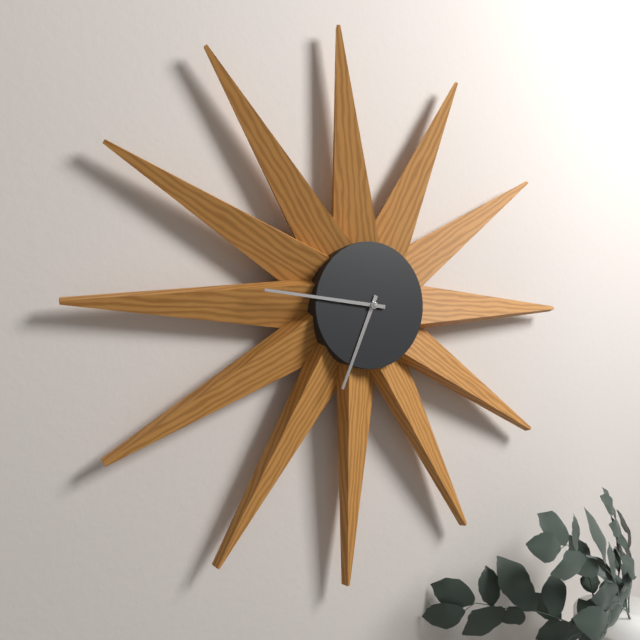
6:46
